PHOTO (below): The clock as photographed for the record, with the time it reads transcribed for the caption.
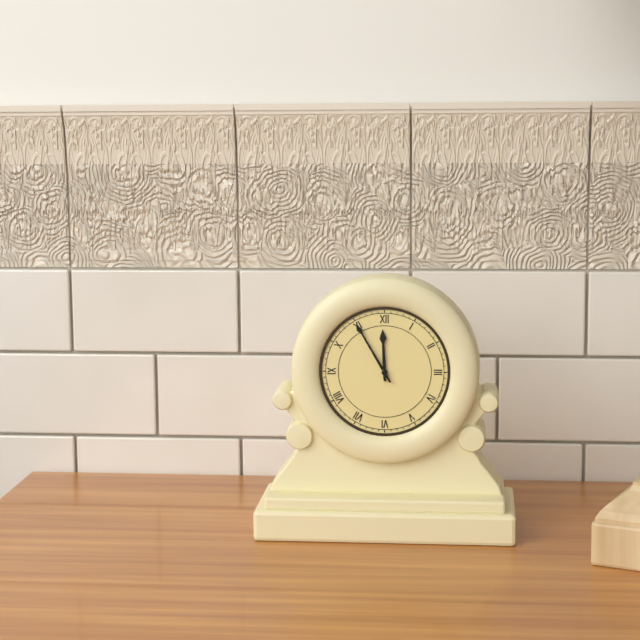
11:55
